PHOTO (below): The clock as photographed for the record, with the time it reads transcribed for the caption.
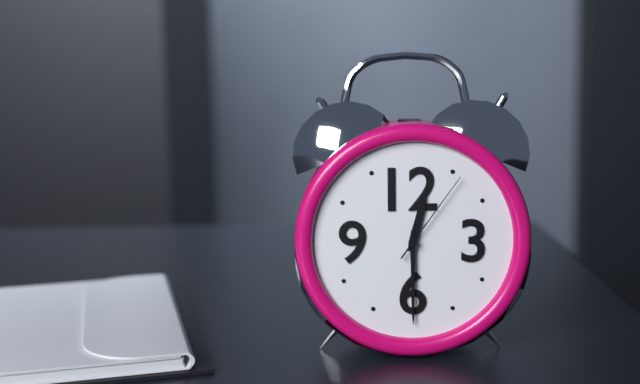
12:30:06
